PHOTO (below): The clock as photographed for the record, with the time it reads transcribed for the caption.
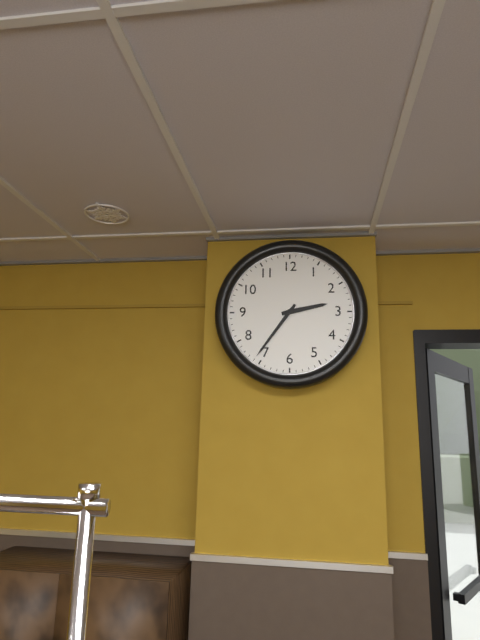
2:36
